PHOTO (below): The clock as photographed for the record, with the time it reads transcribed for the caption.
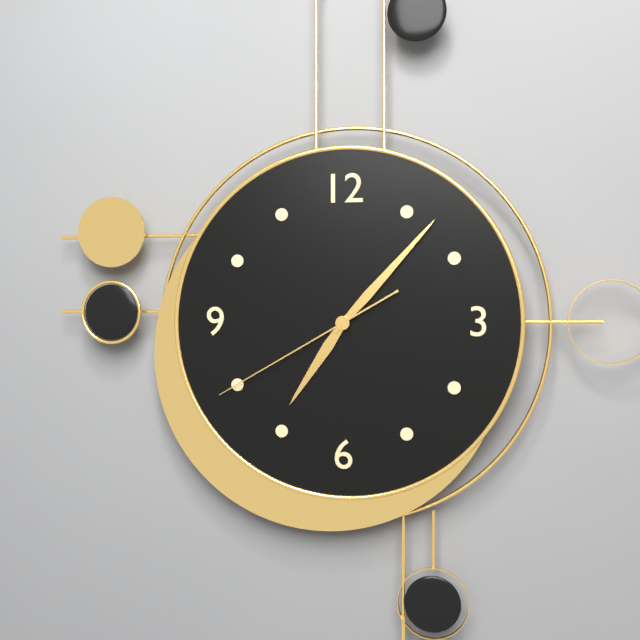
7:07:40
